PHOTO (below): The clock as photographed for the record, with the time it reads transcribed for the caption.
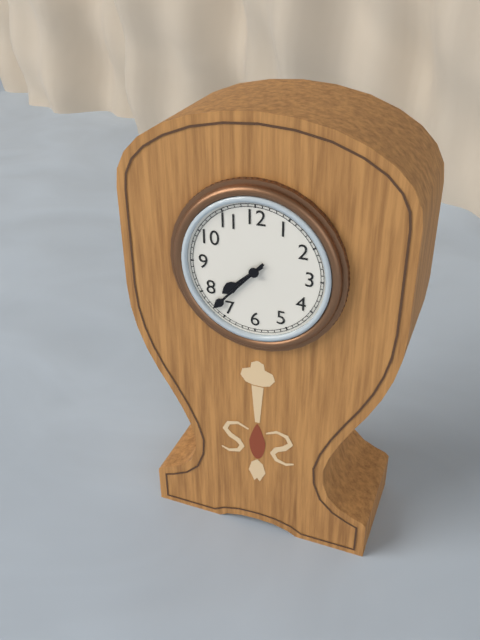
7:37
